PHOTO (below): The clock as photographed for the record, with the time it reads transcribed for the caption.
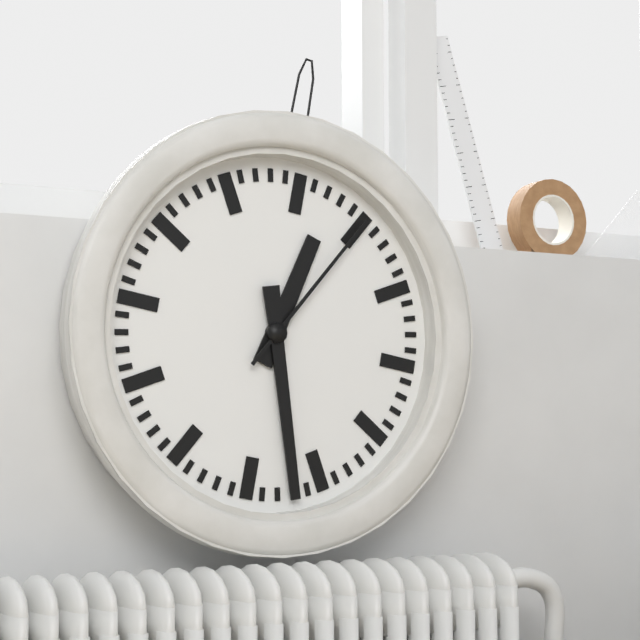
12:27:05
